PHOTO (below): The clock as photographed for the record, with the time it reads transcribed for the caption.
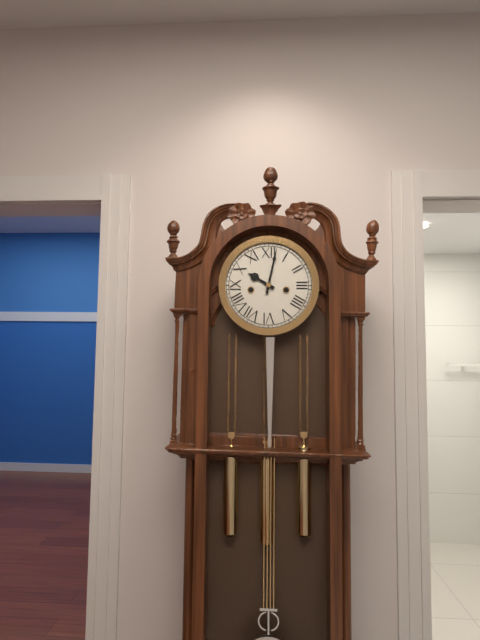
10:02
